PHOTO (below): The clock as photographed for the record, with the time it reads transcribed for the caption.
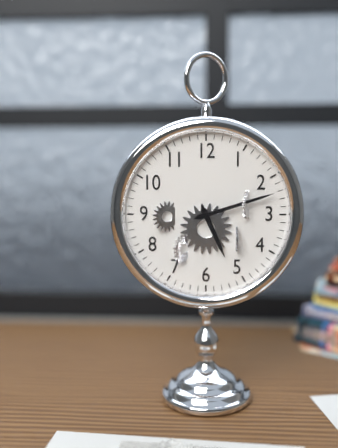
5:12
